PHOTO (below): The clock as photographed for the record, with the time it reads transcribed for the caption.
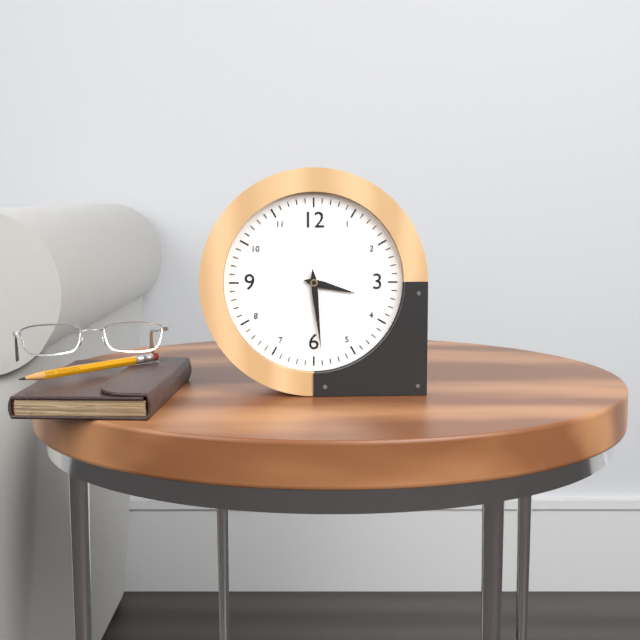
3:29
